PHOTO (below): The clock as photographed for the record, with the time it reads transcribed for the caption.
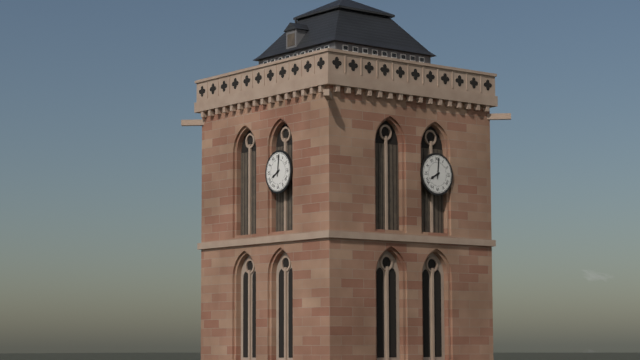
8:01
